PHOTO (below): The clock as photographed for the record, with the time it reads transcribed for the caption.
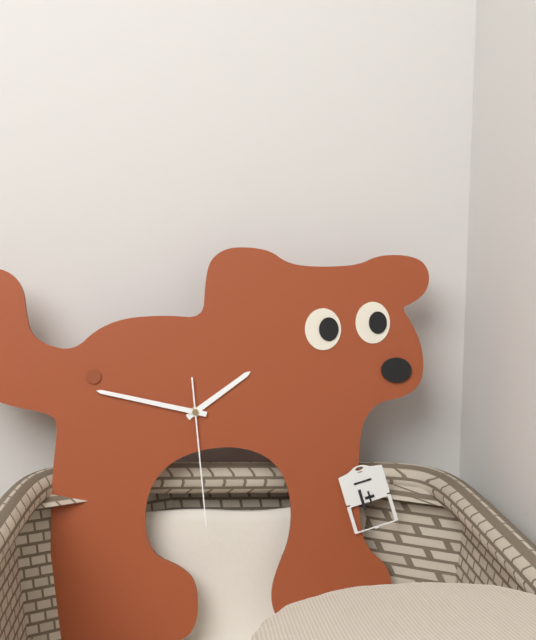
1:47:29
